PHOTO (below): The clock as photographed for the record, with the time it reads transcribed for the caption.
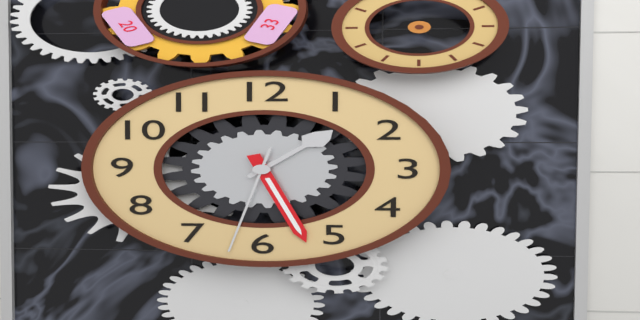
1:27:32
